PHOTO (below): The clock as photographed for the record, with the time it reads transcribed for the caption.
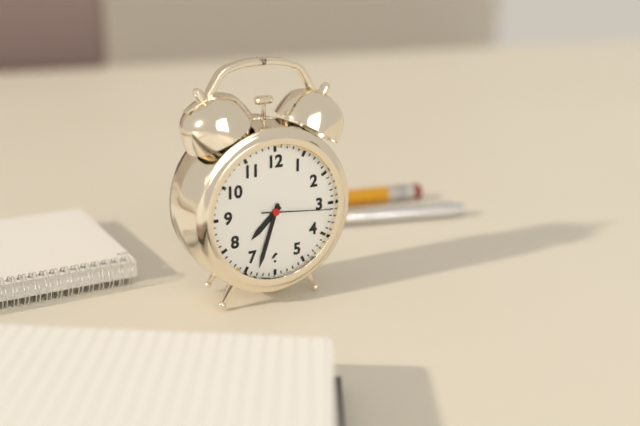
7:33:16
